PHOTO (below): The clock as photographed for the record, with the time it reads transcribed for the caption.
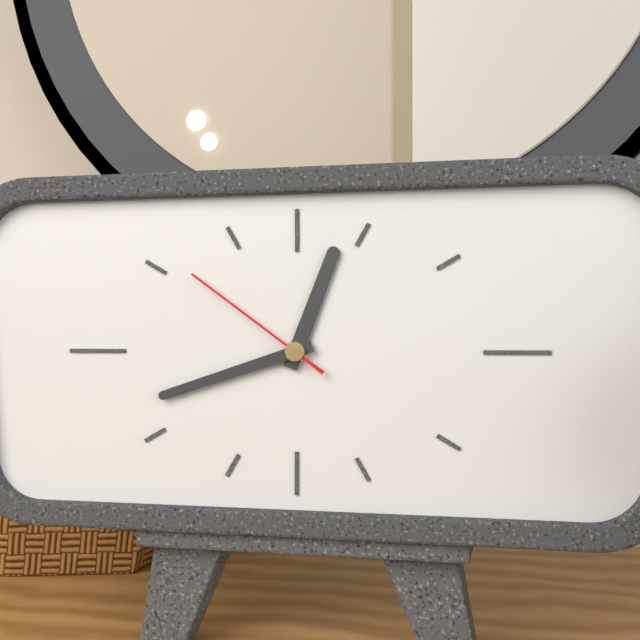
12:42:51
